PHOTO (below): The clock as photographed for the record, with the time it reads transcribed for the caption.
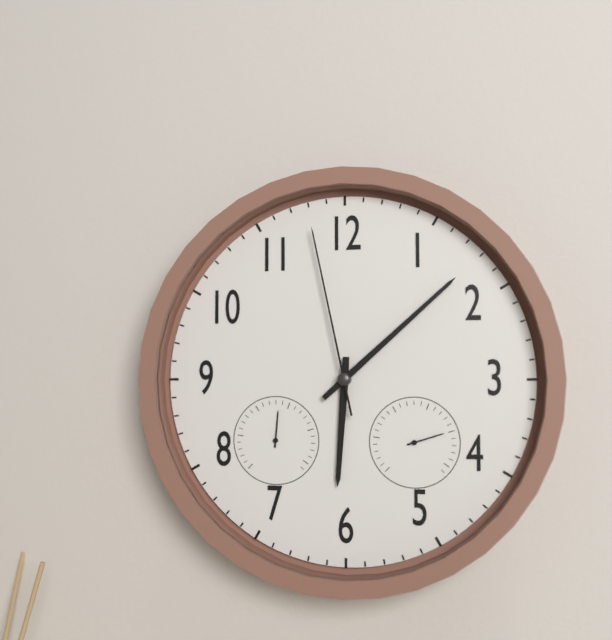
6:08:58
